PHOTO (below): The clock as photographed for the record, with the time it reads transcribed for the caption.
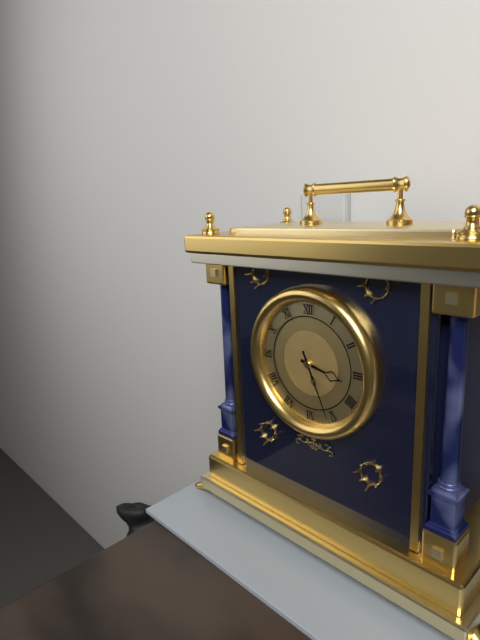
3:26
